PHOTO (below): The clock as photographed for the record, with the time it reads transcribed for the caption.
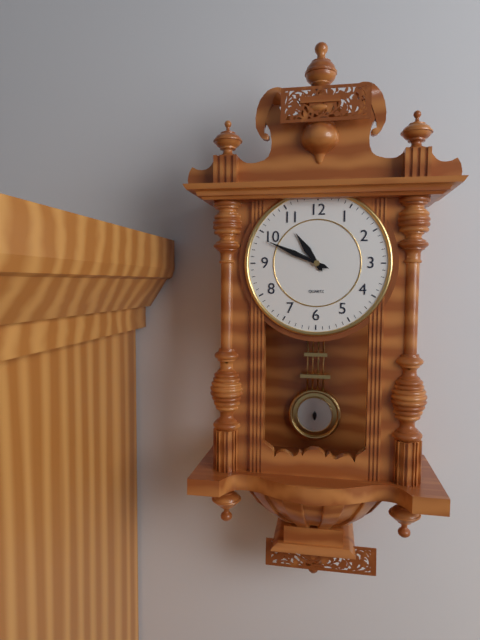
10:49
